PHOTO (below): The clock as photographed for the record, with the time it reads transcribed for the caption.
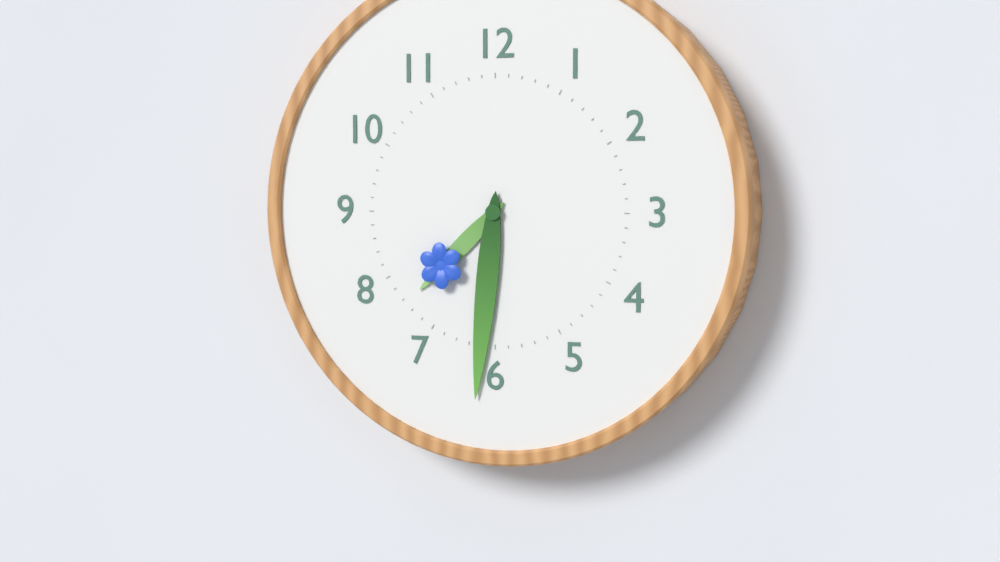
7:31
